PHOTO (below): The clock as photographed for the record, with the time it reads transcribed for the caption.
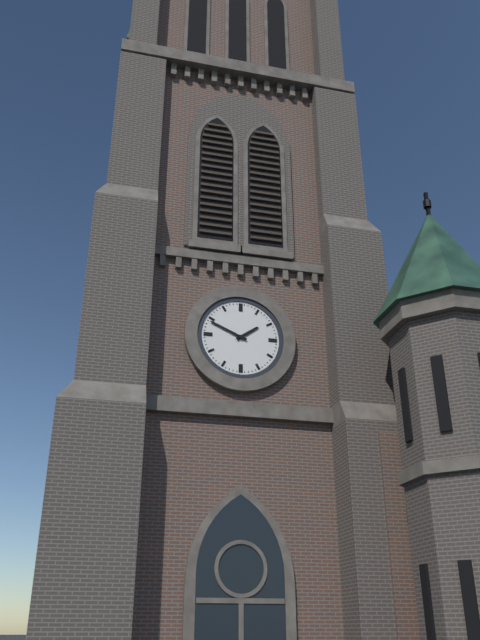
1:49
